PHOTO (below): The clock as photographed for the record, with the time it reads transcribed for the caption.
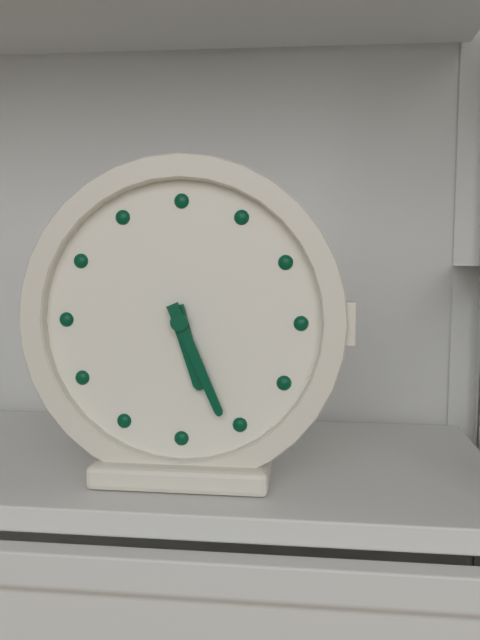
5:26
